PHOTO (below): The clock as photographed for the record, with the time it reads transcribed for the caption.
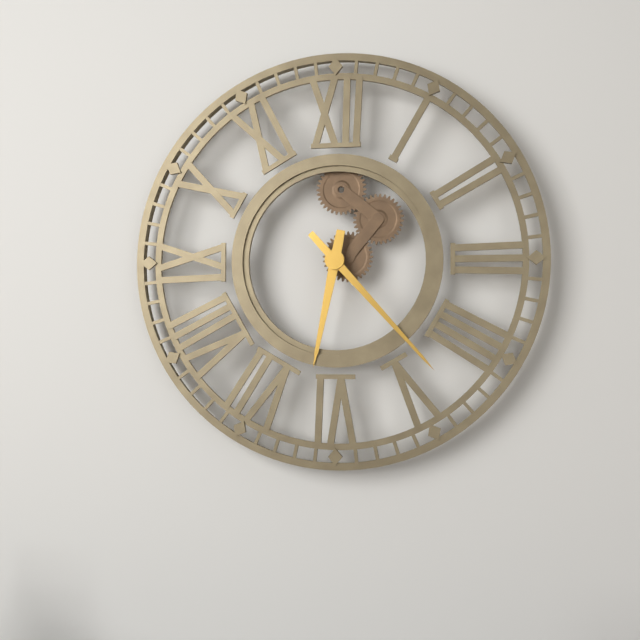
6:23
